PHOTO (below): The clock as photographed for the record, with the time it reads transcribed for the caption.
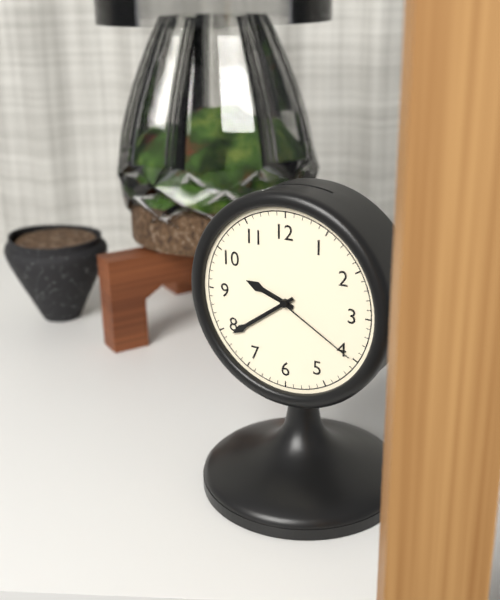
9:39:20
